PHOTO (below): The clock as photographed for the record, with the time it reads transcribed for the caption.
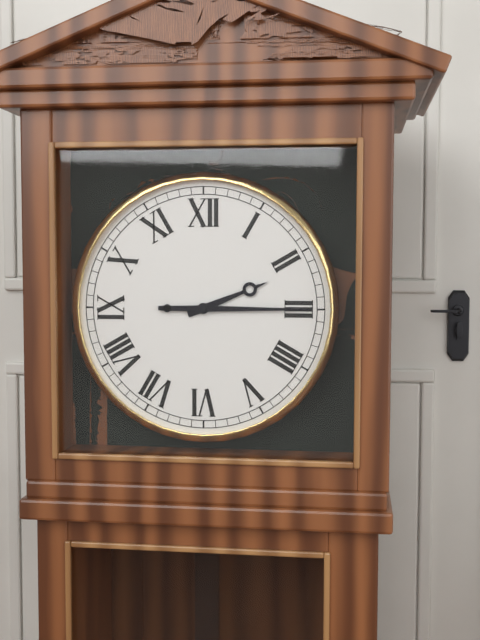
2:15
